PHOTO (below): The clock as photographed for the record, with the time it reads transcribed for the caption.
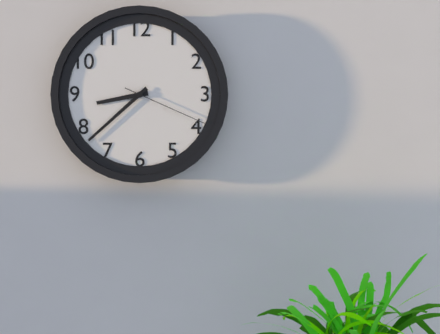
8:38:19
